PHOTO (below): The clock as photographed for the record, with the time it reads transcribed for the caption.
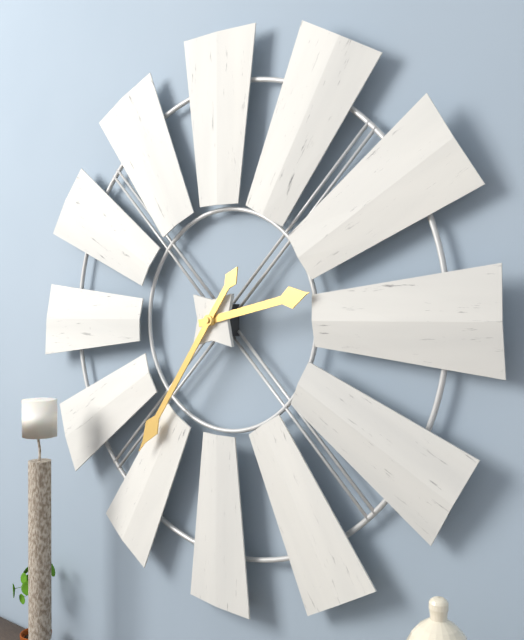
2:36
